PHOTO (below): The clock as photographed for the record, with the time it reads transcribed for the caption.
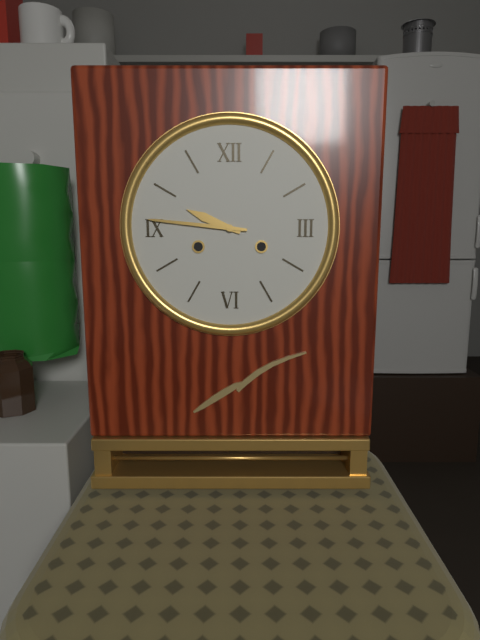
9:46
